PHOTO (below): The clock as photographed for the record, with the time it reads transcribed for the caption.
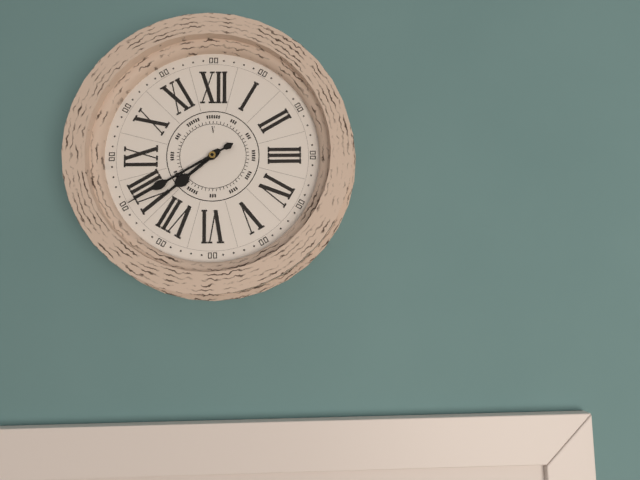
7:40
